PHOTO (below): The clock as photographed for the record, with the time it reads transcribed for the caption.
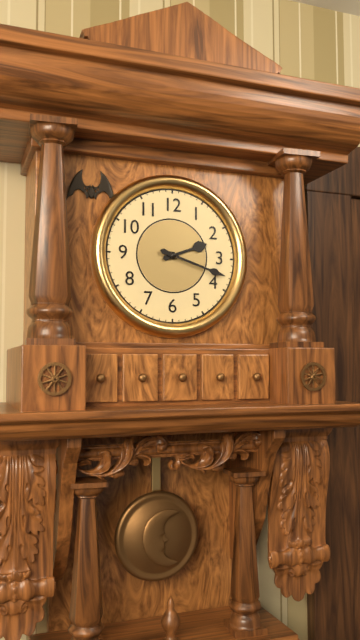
2:18
